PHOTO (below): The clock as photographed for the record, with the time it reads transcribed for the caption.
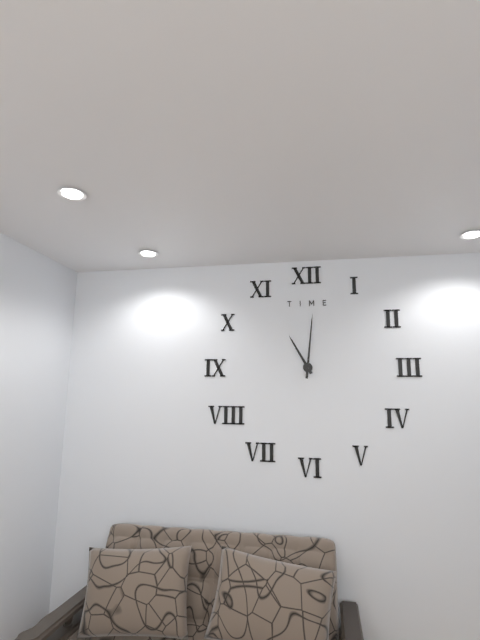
11:01
